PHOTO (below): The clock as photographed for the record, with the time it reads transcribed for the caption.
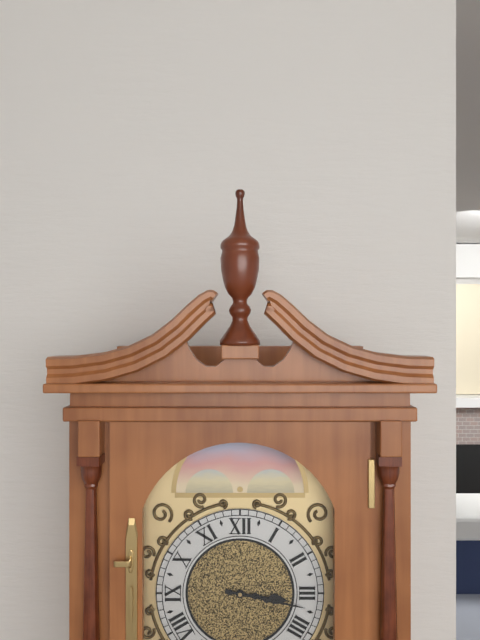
3:17
